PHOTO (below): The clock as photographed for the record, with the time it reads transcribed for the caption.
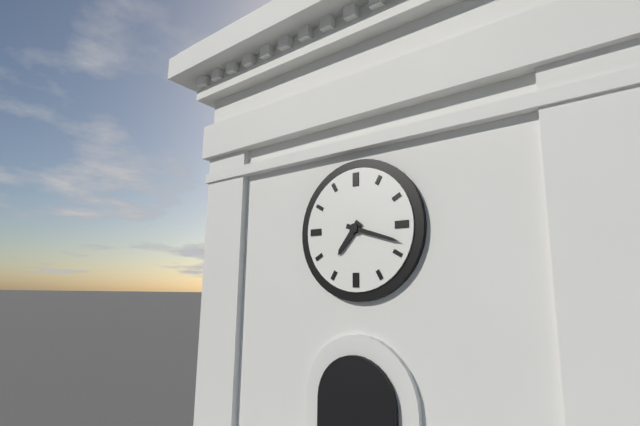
7:18
